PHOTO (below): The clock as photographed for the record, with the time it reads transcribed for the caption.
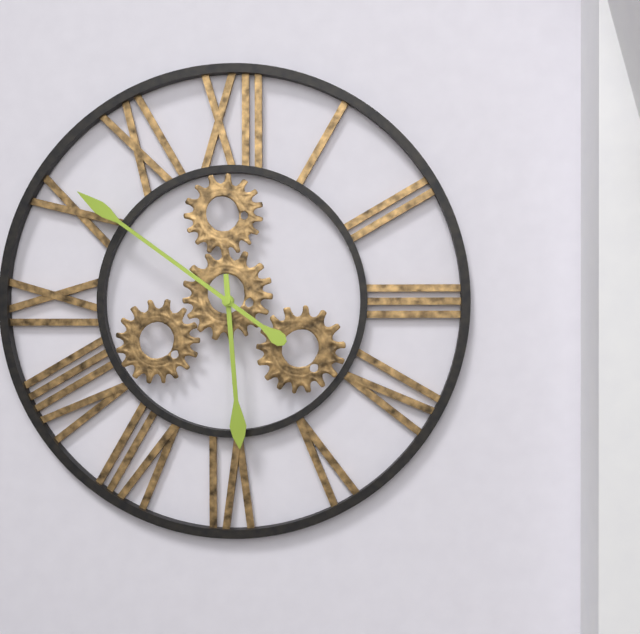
5:51
